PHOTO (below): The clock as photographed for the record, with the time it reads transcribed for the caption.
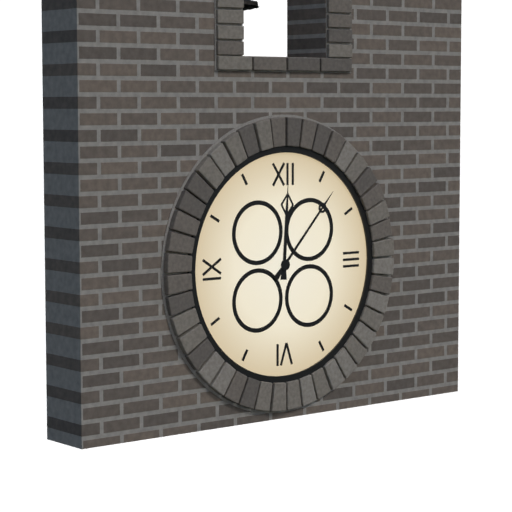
12:07
